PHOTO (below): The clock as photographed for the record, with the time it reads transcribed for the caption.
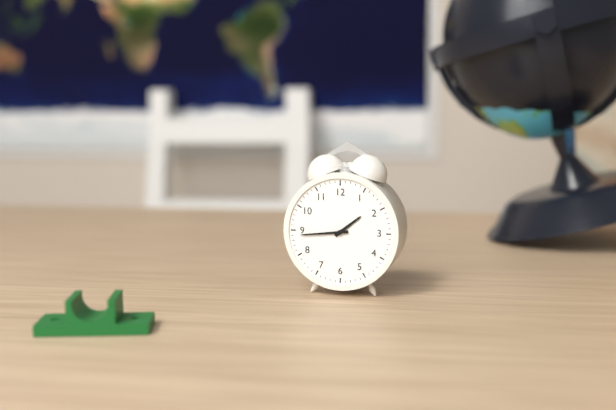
1:44
